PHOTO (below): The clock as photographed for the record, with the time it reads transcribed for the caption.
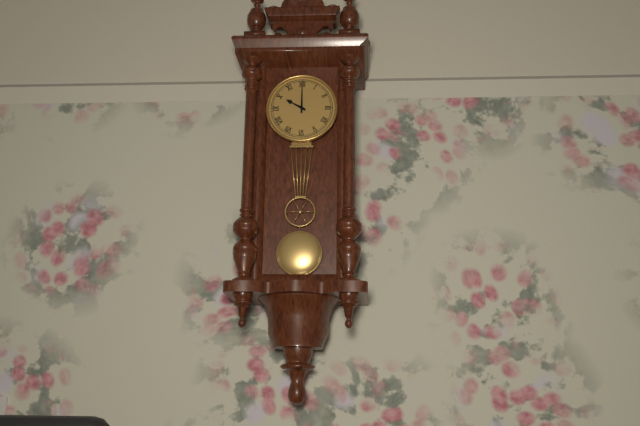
10:00
